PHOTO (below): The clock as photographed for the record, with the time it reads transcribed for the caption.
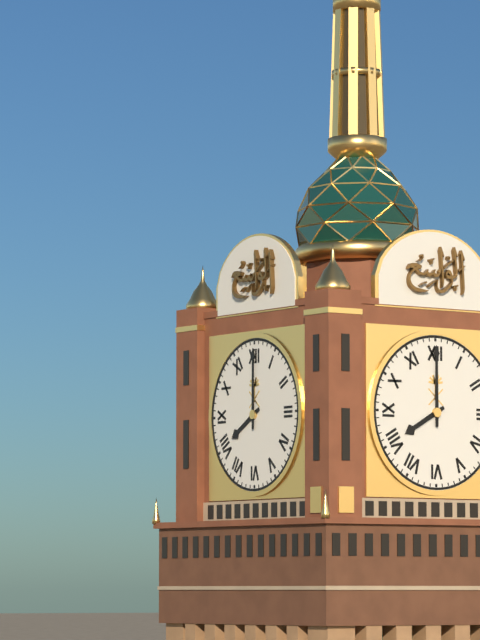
8:00
